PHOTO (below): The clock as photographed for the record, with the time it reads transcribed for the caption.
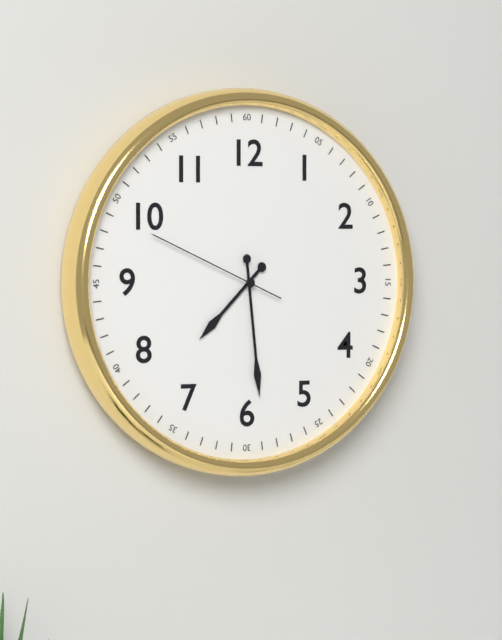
7:29:49
